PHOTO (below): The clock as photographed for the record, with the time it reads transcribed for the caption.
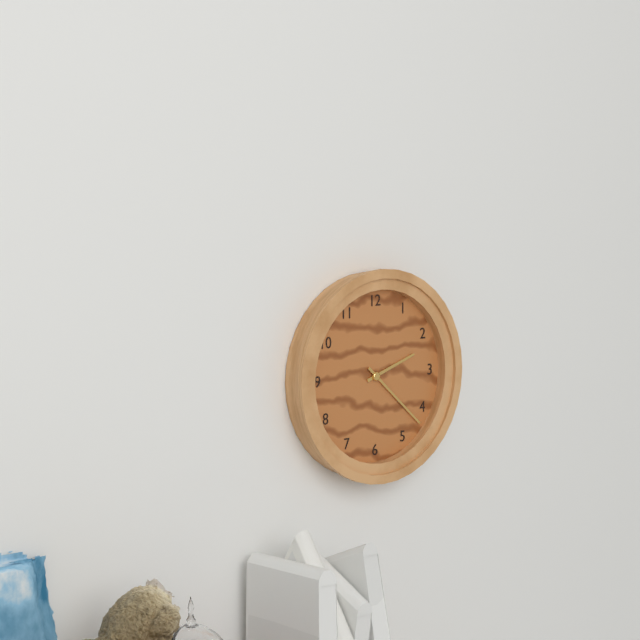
2:22
